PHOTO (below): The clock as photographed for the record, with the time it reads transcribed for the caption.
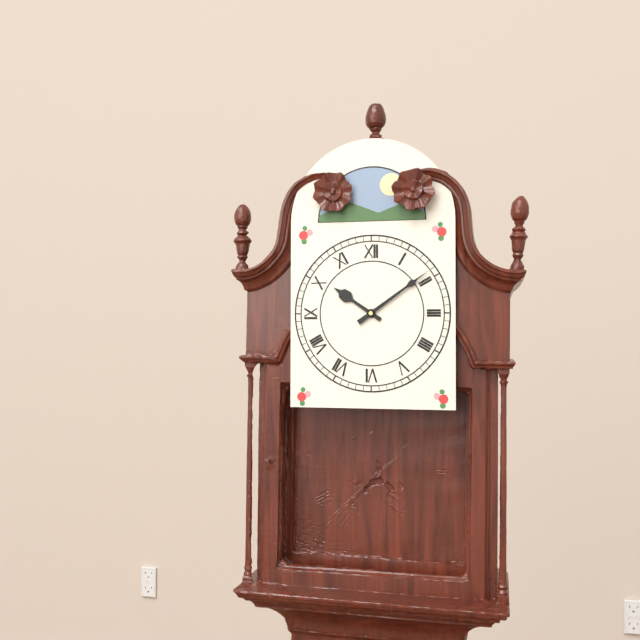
10:09
